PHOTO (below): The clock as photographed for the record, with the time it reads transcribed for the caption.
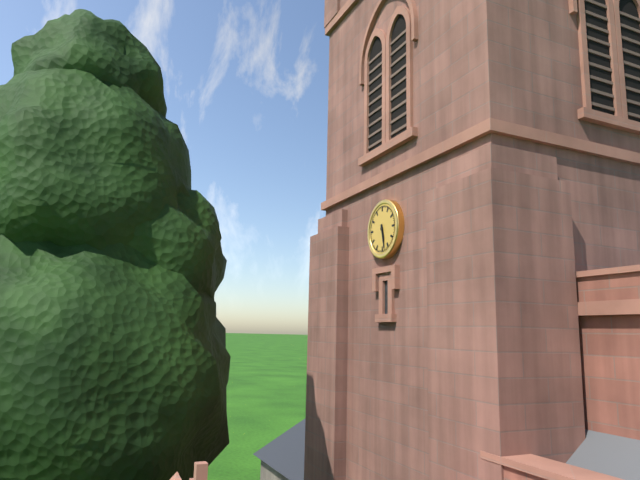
5:28
